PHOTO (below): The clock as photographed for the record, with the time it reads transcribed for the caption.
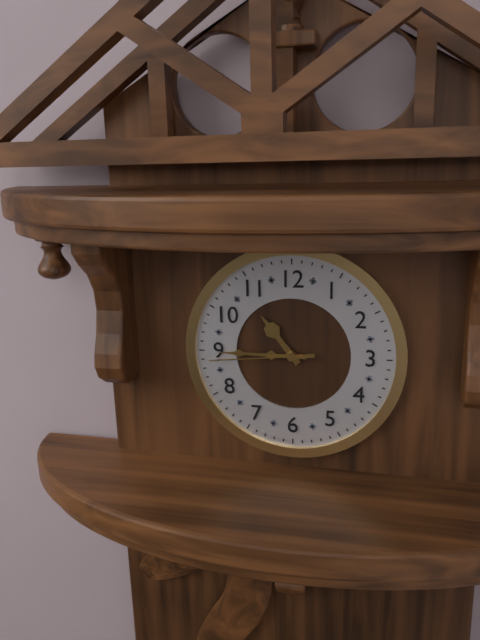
10:45:44
